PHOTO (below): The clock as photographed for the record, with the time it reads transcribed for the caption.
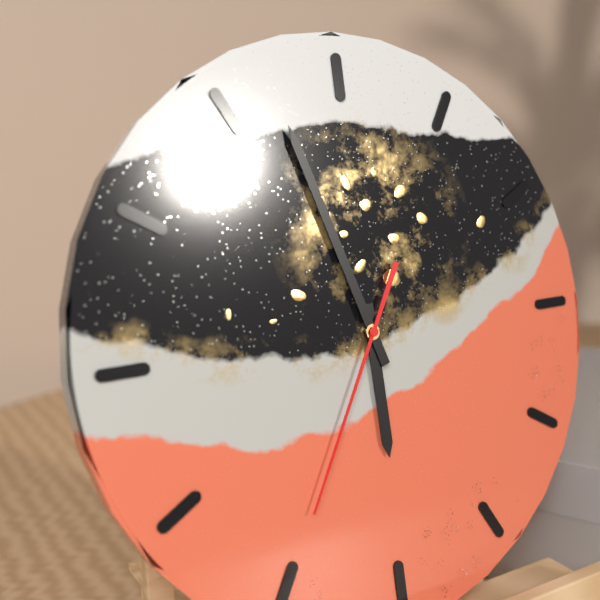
5:57:35
